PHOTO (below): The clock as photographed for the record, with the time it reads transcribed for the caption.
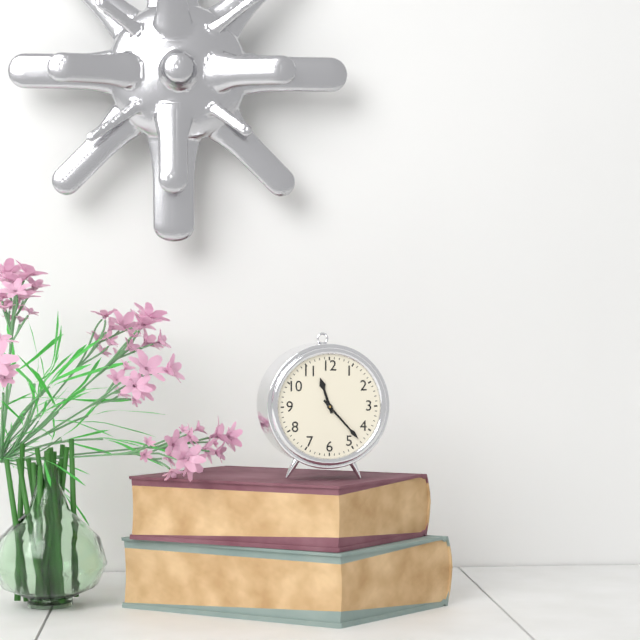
11:23
